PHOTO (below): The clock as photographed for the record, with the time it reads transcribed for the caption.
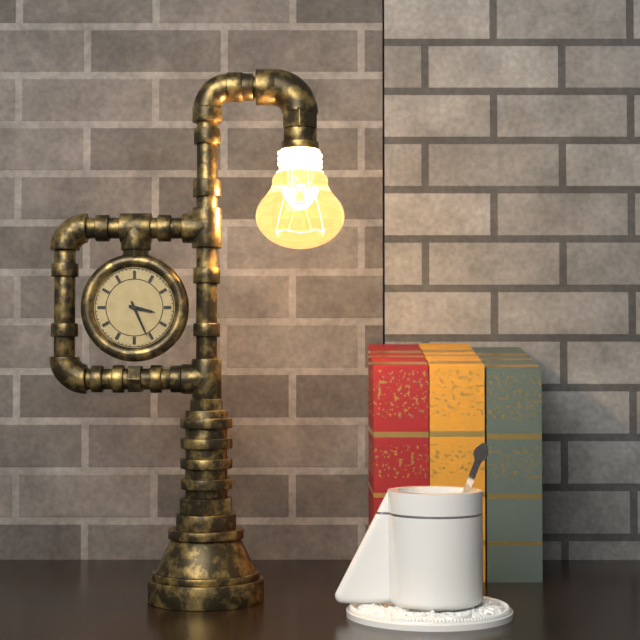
3:26
